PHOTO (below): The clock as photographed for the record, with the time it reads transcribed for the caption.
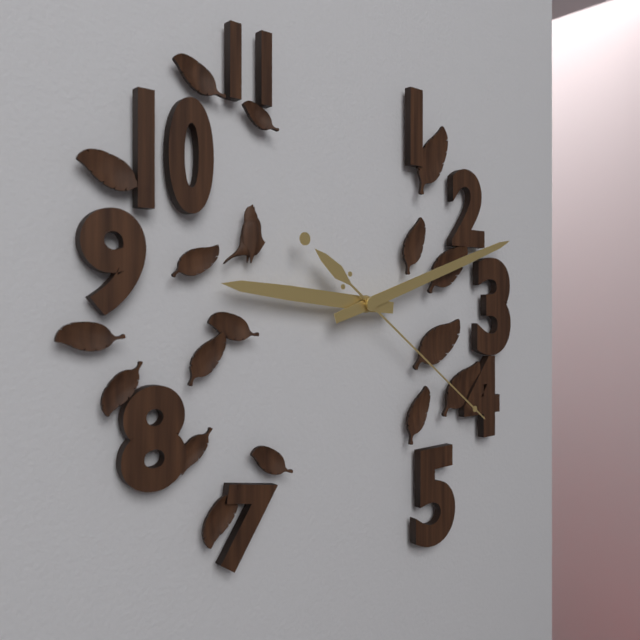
9:12:21
